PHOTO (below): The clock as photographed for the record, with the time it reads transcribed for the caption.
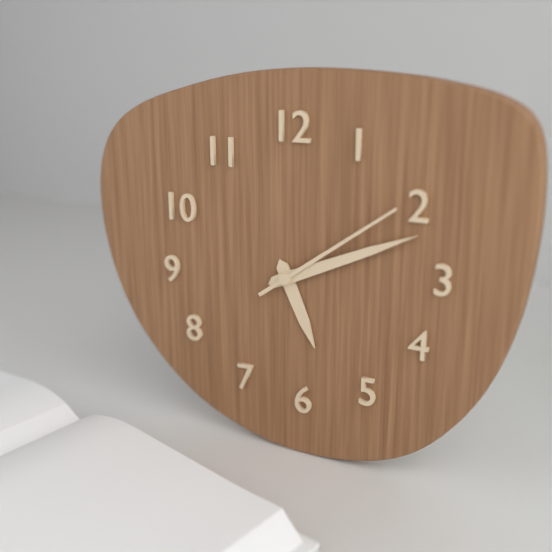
5:11:09
